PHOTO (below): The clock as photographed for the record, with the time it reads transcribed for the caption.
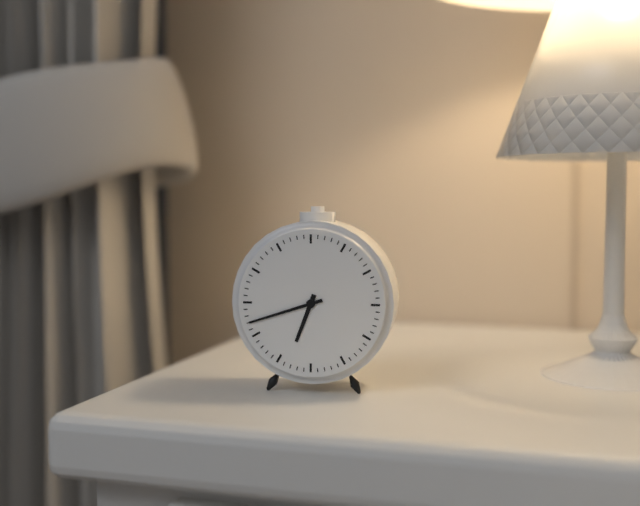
6:42
